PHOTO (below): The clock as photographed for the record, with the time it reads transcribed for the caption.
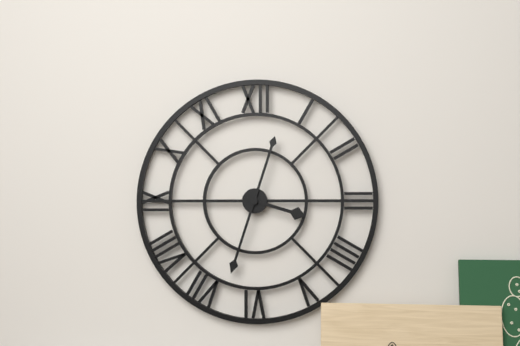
3:33
